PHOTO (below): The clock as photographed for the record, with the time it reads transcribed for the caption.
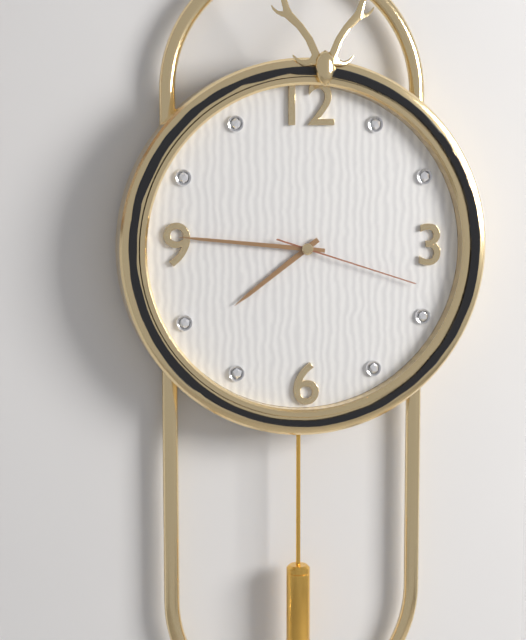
7:46:18
